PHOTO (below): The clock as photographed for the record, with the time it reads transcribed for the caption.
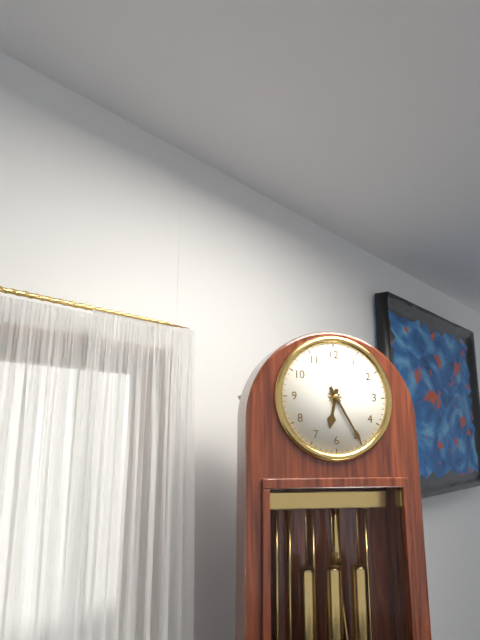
6:25
